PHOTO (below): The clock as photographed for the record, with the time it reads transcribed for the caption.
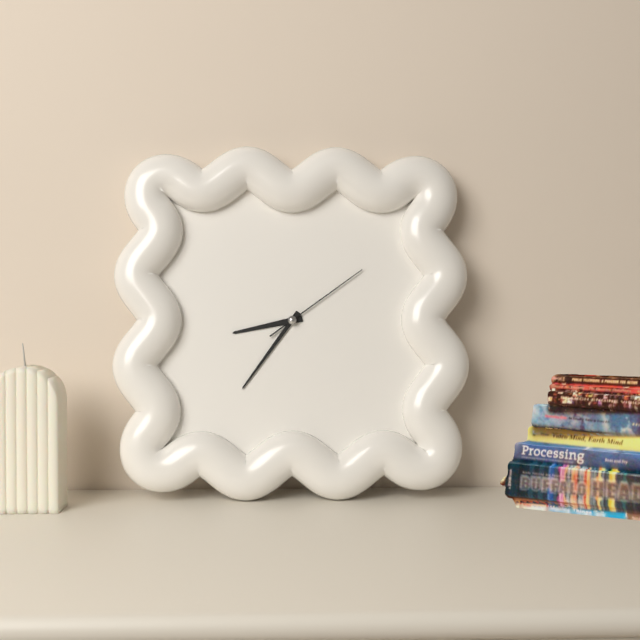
8:36:09
